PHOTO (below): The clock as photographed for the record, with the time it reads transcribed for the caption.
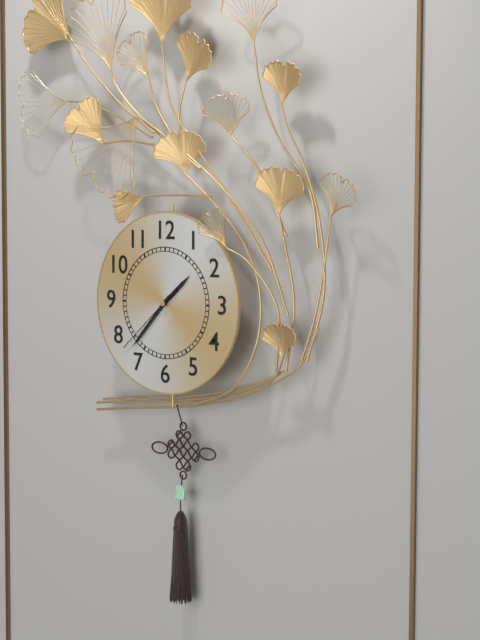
1:37:38
